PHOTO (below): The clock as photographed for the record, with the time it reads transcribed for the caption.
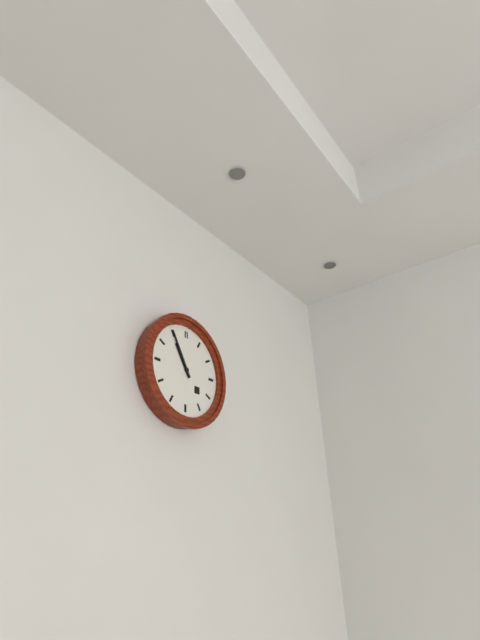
10:55
